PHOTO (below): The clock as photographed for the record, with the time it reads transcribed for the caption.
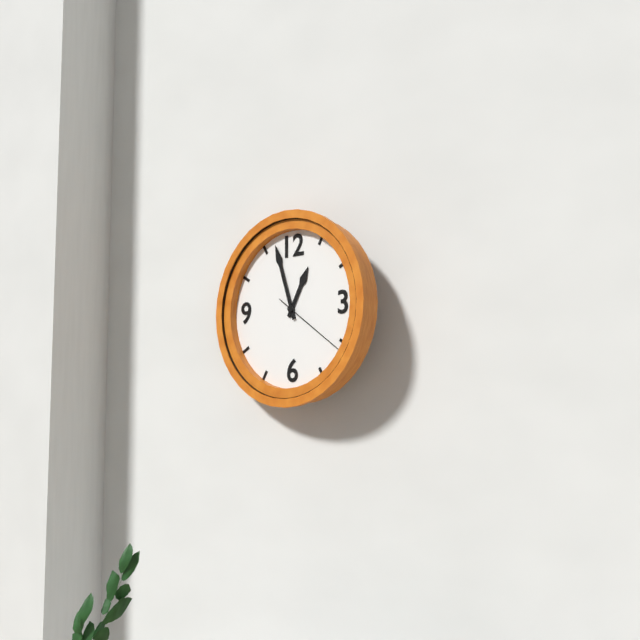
12:57:21
